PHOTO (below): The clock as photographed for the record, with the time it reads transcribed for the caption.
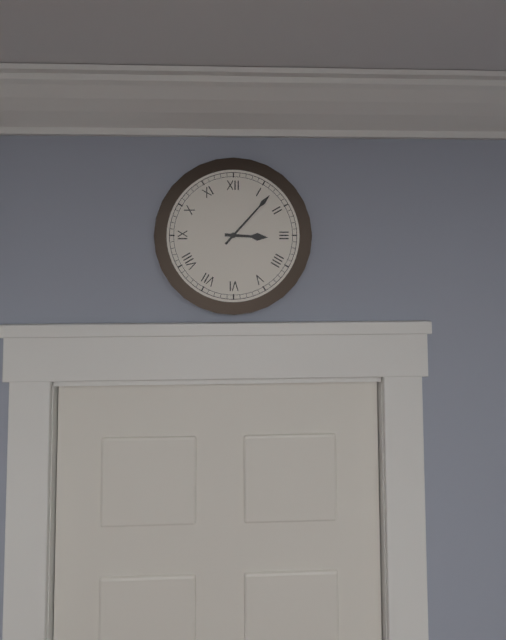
3:07
